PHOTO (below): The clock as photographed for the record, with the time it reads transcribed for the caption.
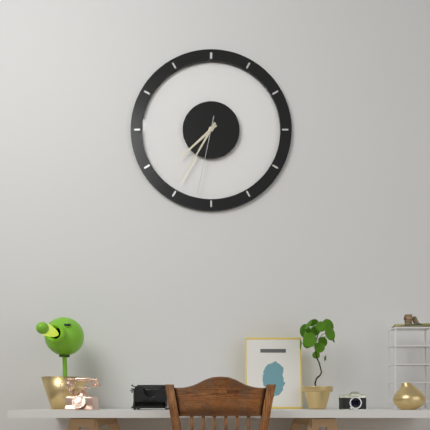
7:35:32
